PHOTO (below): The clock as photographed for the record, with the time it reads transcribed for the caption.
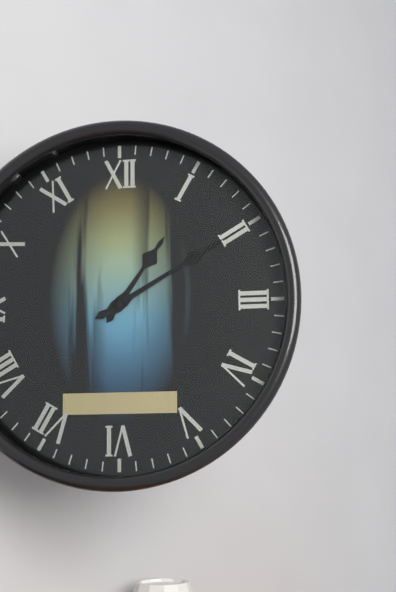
1:10
